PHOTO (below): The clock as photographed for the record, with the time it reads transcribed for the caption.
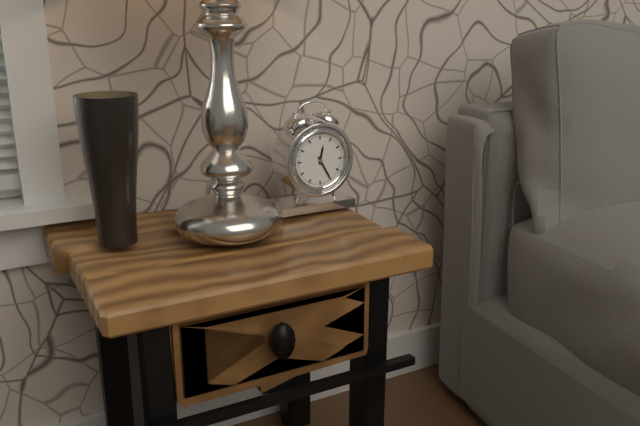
12:25
